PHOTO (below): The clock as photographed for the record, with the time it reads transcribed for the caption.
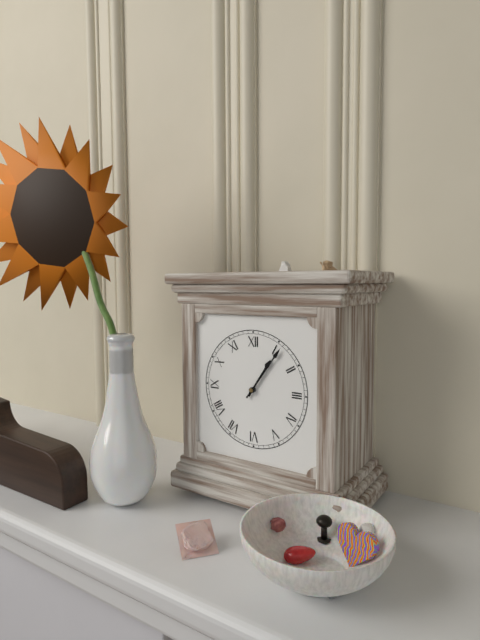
1:06
